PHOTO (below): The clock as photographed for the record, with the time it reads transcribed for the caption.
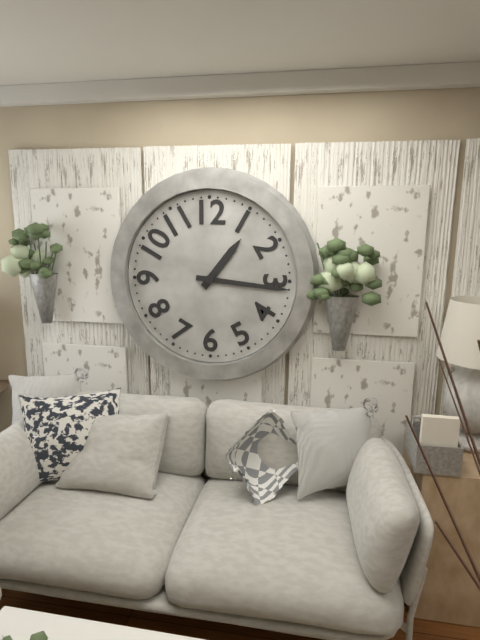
1:16
